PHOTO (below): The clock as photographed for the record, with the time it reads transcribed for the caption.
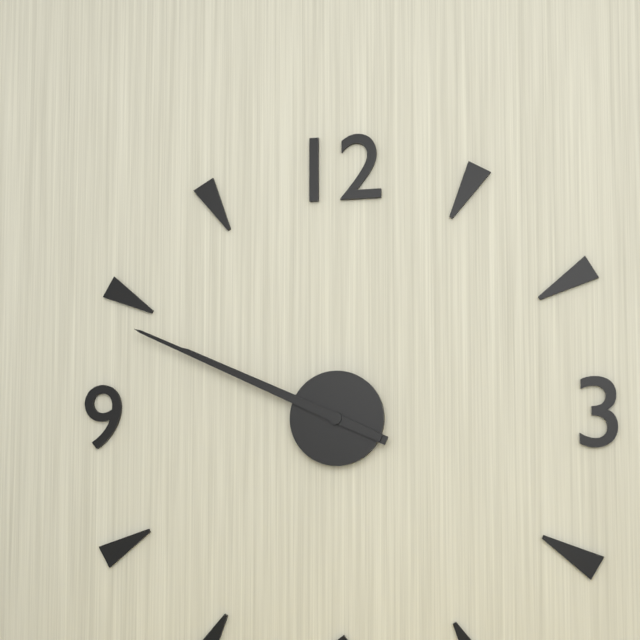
9:49
